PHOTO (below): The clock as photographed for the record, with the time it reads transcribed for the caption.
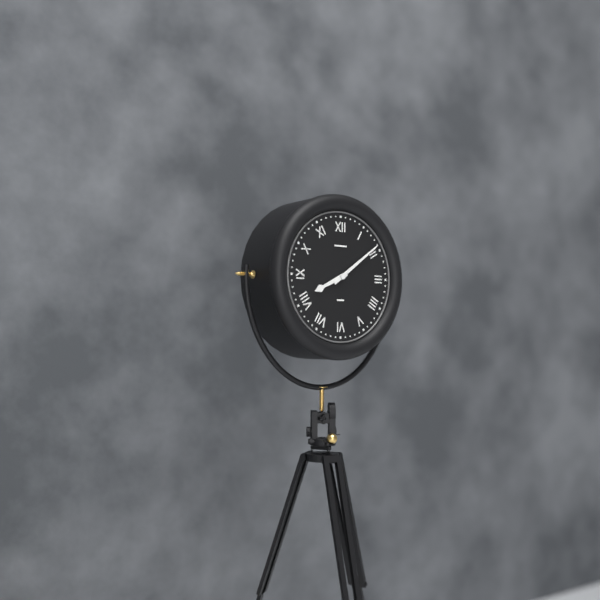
8:09
